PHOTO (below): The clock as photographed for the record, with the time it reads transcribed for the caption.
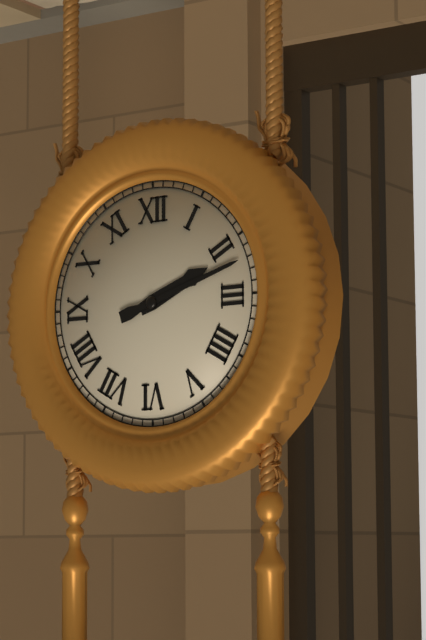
2:12
